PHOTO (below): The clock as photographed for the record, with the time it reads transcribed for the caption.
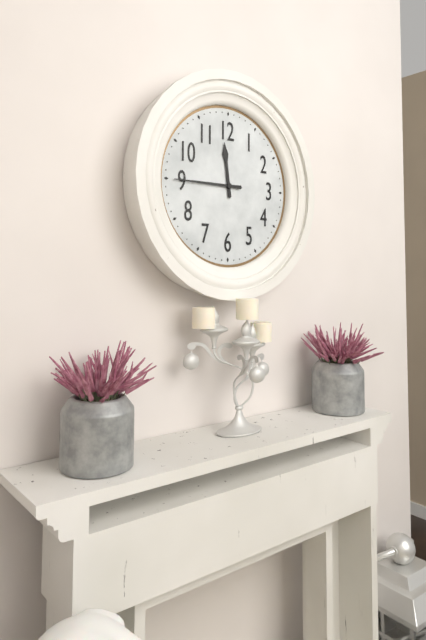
11:45
